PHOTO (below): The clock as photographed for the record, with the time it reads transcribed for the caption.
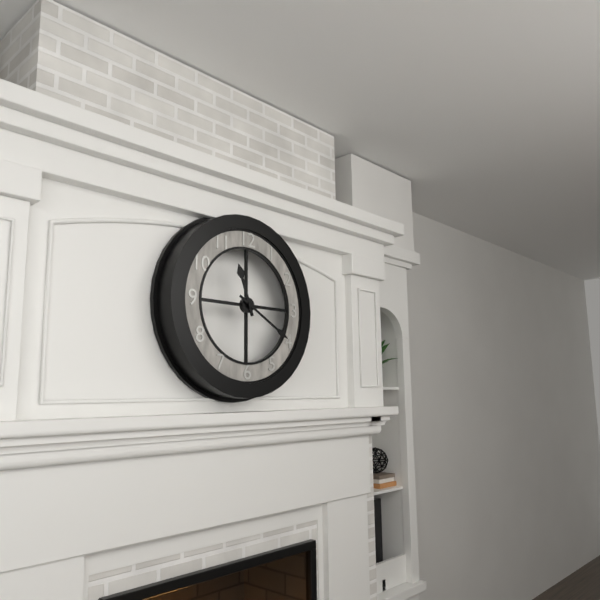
11:20
